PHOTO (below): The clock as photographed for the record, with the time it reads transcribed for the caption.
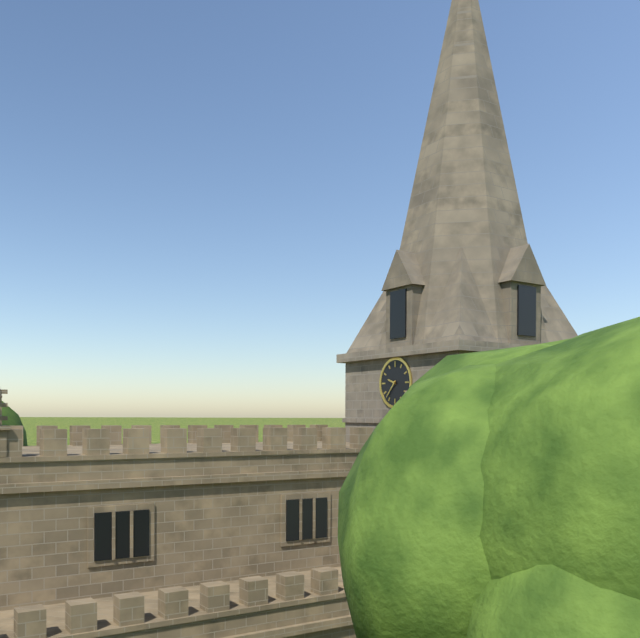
9:37
